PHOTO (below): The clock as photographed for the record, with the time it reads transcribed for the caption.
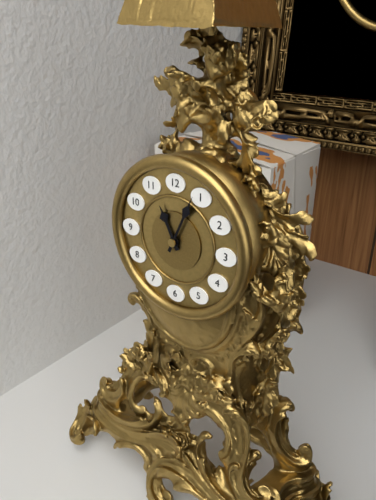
11:04
